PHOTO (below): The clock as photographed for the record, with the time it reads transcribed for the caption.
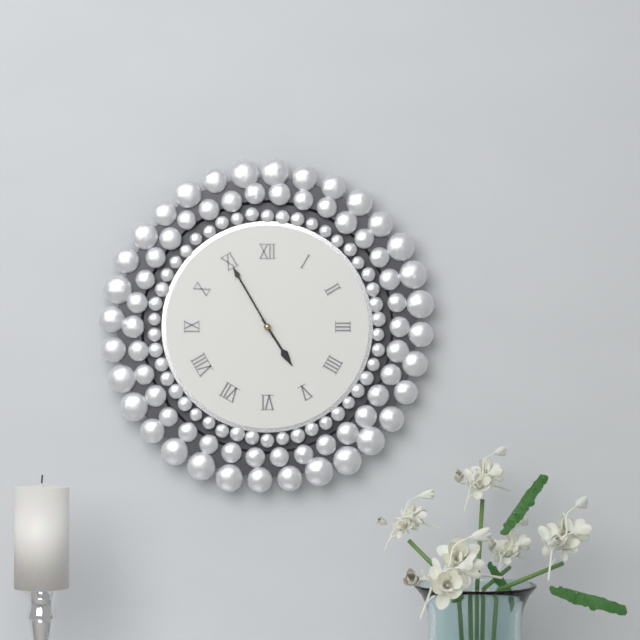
4:55
